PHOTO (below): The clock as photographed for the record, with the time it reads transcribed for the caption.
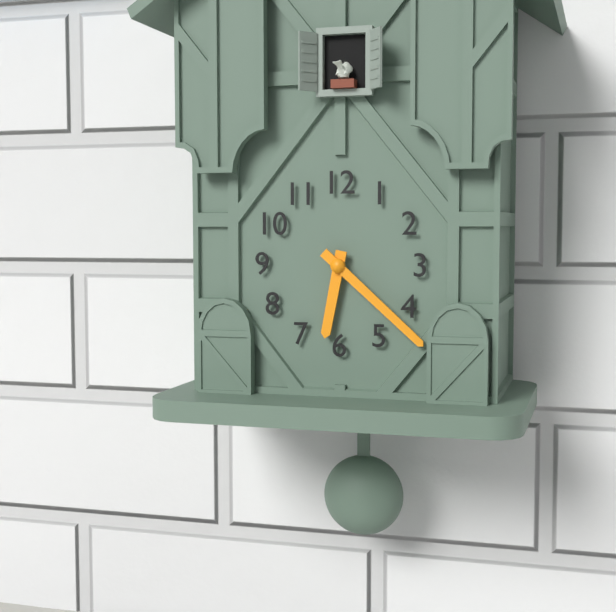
6:22
